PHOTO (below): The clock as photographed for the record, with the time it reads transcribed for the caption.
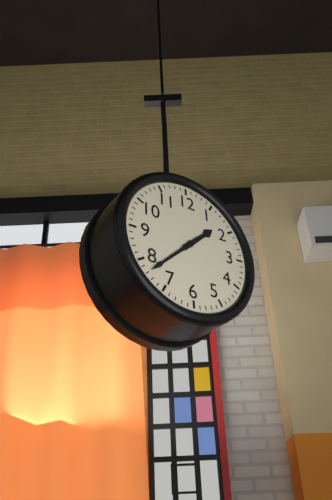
1:38
